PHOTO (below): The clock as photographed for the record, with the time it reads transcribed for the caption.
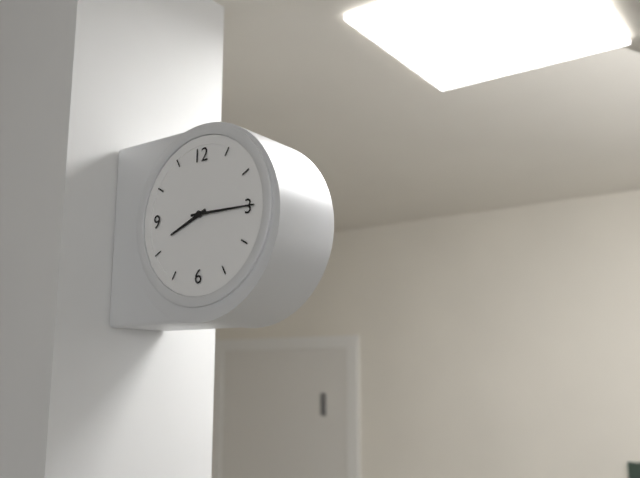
8:15
